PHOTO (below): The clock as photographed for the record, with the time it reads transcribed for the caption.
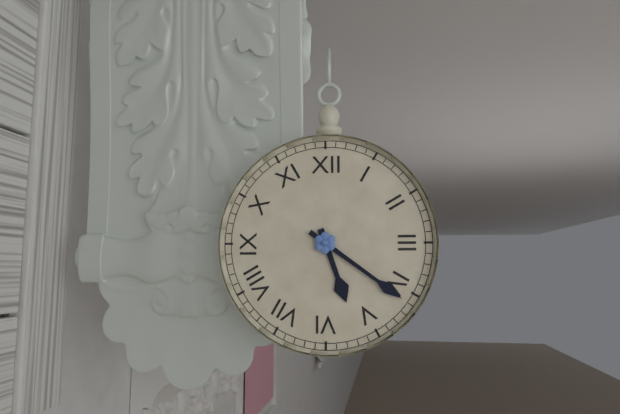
5:21
